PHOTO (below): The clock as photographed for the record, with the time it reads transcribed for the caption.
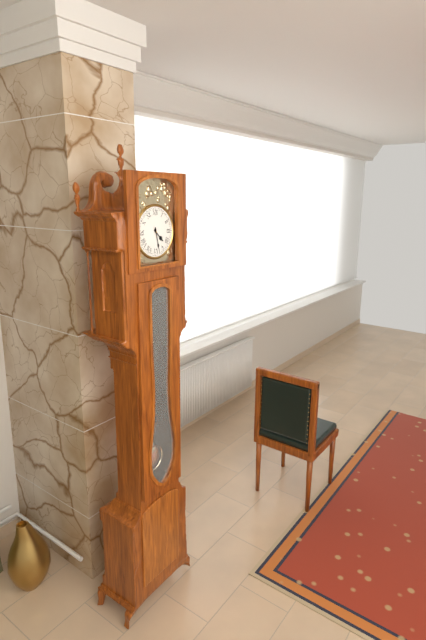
4:28
